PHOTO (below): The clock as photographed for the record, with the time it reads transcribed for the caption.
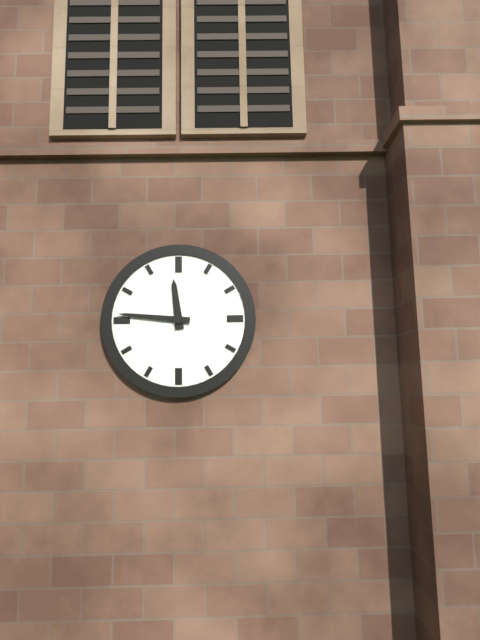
11:46
